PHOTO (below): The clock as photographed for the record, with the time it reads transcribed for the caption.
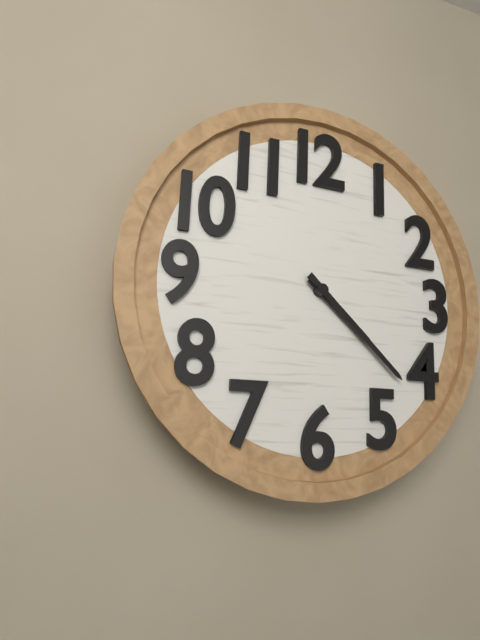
4:22
